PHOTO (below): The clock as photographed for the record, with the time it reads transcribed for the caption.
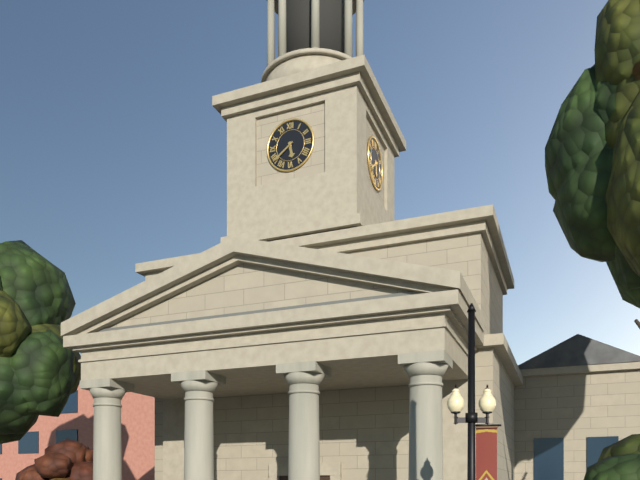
5:39
